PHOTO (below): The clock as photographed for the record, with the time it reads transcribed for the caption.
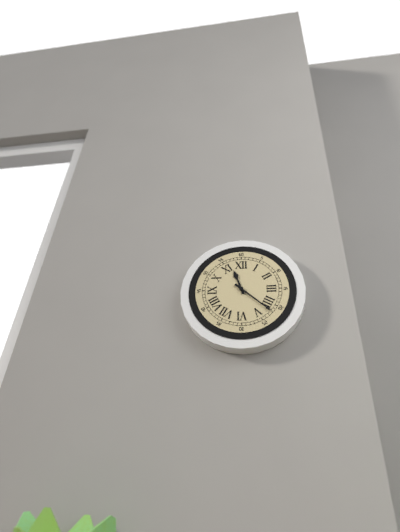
11:22
